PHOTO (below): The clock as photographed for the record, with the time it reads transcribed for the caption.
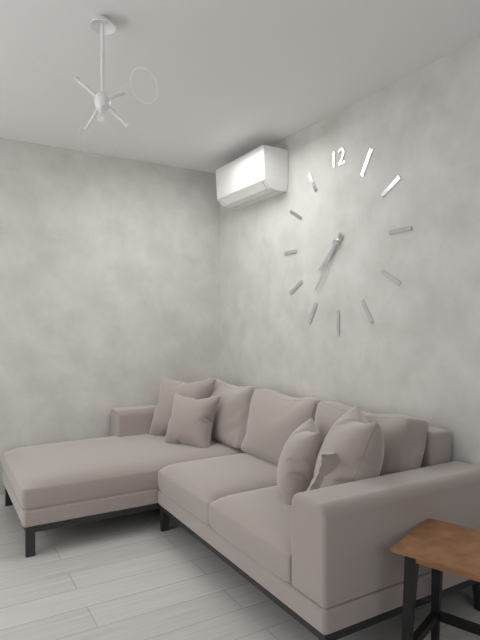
7:36
